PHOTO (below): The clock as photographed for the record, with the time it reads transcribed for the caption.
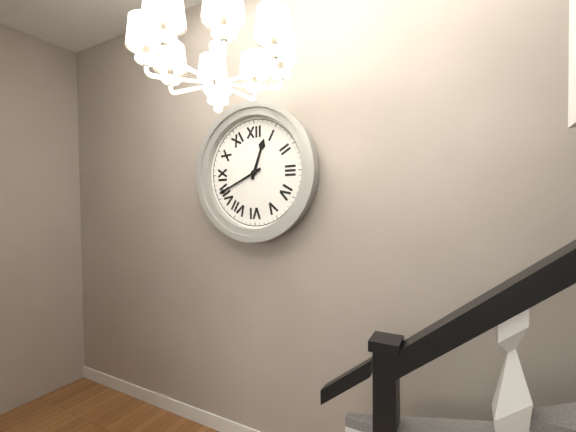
12:41
